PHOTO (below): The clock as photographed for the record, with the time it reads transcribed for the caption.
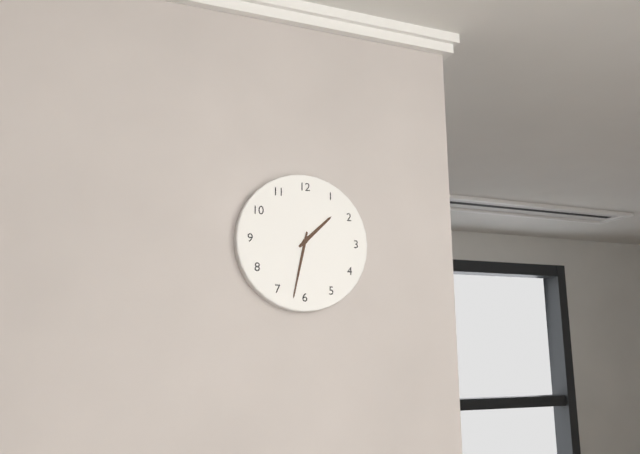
1:32
